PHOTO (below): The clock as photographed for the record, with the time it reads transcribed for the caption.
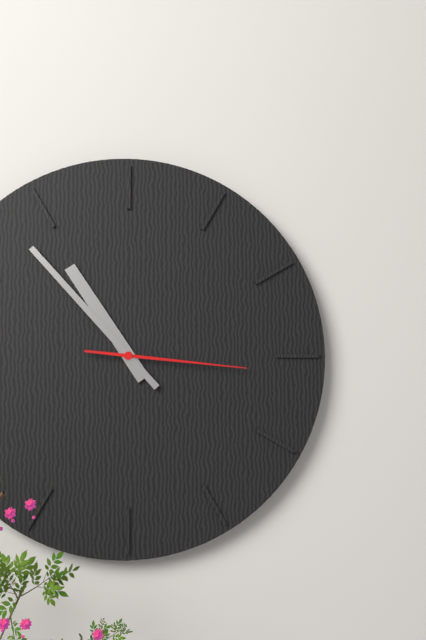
10:53:16
